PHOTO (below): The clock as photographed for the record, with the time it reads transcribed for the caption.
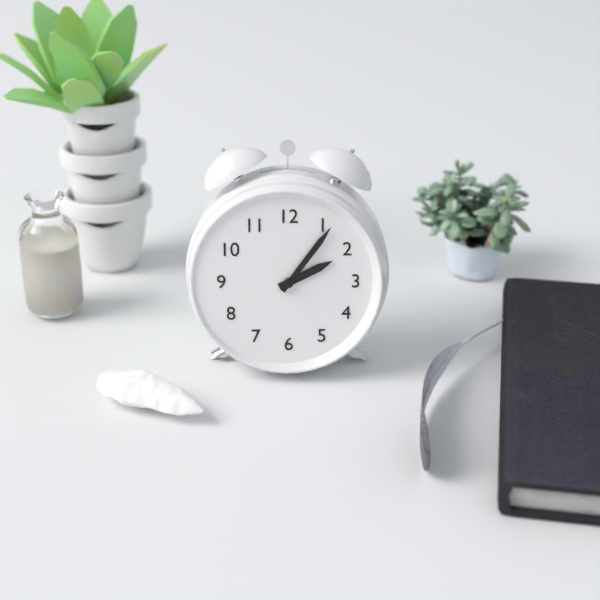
2:06
